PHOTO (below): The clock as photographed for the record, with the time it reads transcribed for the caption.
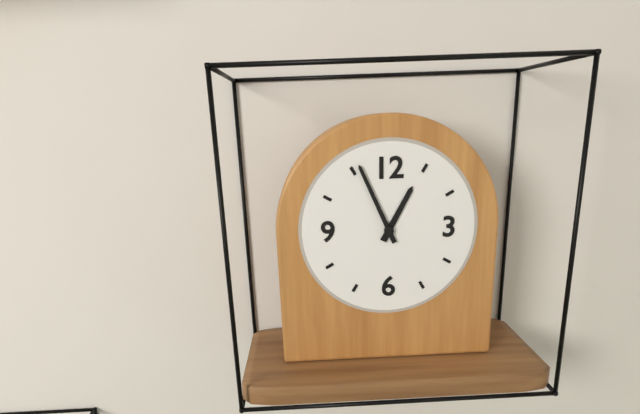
12:56
